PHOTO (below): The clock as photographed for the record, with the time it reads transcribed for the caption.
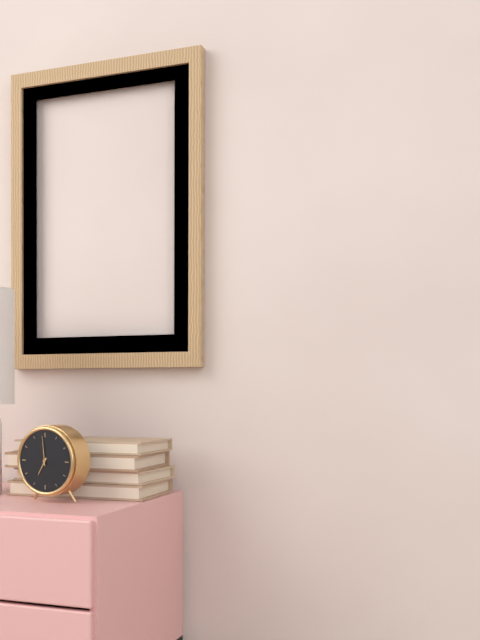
6:59
